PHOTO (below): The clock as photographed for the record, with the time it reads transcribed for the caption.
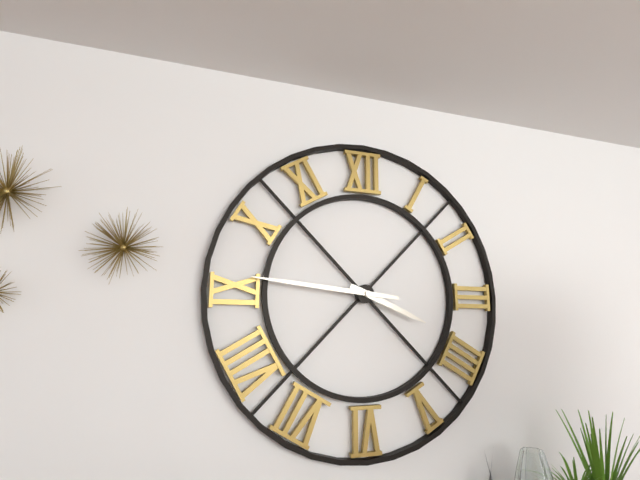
3:46
